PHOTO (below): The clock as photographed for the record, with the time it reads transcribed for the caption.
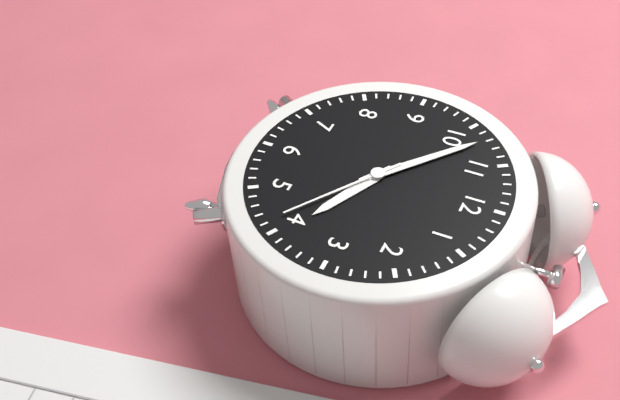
3:52:21
